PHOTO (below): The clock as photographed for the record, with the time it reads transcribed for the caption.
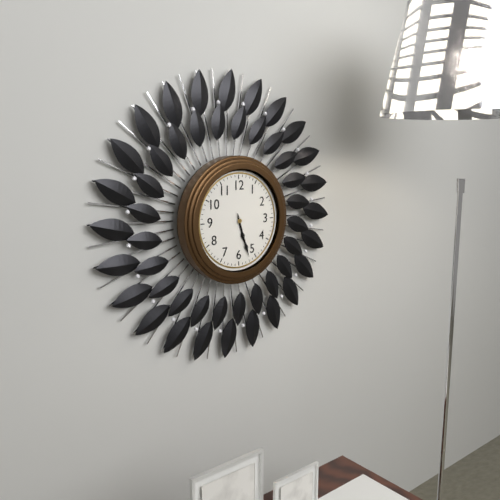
5:27
